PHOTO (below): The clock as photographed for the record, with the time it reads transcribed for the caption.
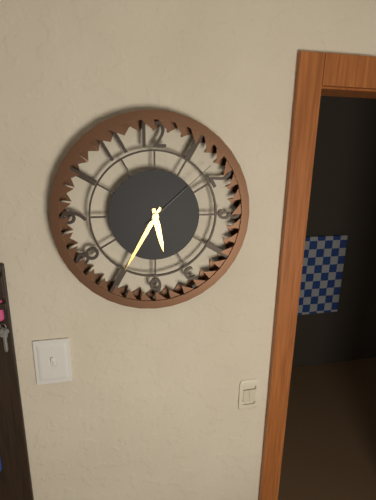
5:35:08
